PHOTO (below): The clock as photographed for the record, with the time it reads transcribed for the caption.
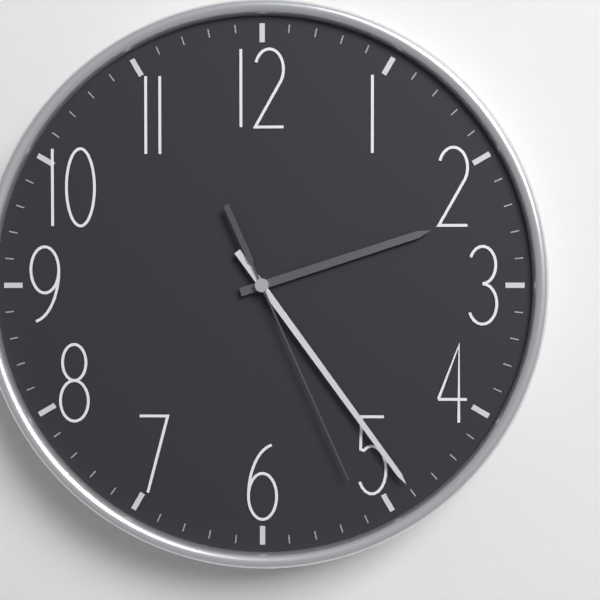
2:24:26
